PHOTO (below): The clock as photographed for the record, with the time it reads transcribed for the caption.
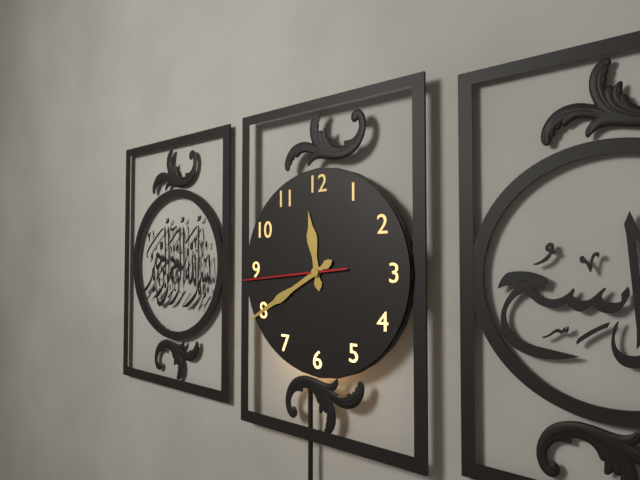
11:40:44
